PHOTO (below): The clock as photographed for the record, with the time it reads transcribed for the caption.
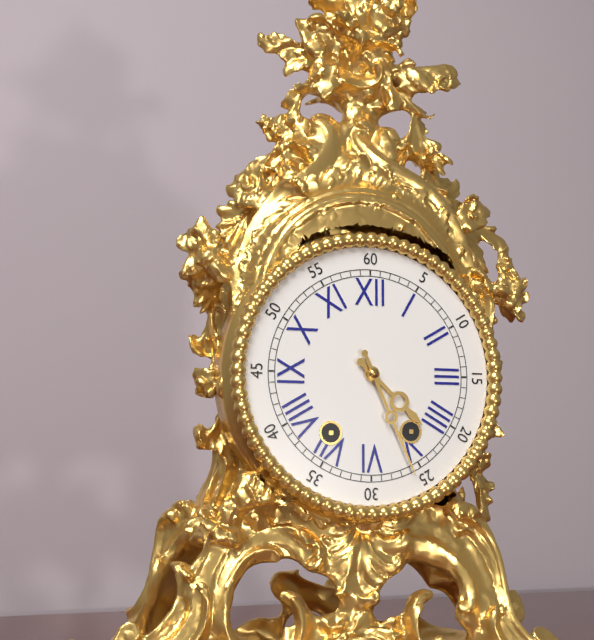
4:26
